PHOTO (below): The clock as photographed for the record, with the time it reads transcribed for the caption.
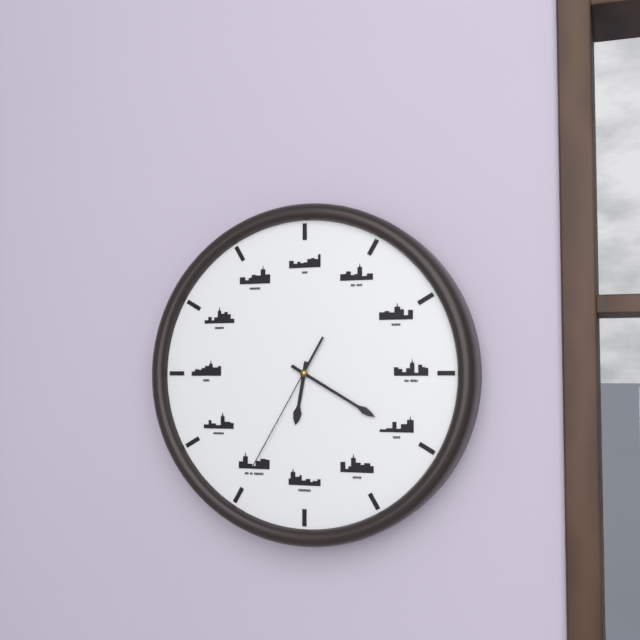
6:20:35
